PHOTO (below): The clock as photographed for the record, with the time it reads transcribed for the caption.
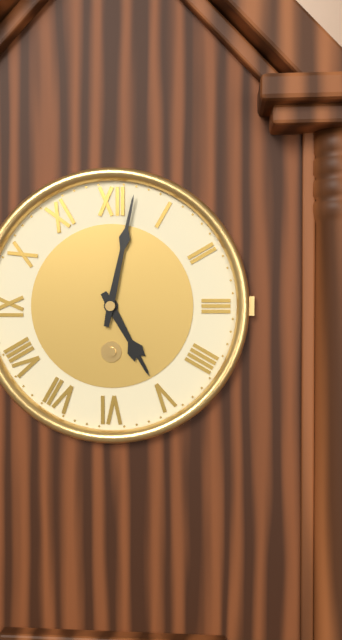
5:02
